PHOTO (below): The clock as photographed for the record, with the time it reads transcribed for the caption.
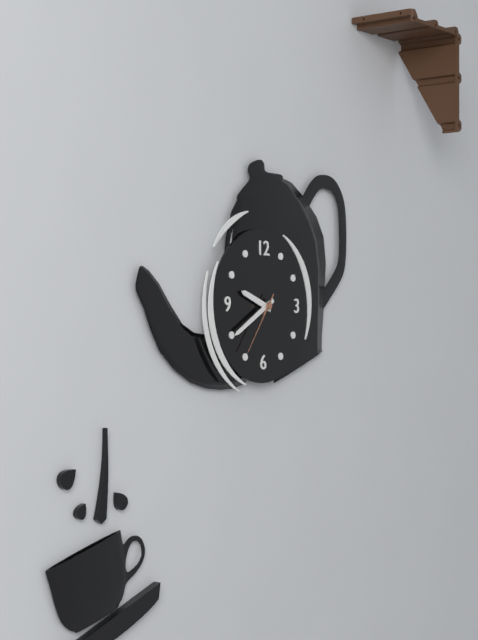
9:40:36
